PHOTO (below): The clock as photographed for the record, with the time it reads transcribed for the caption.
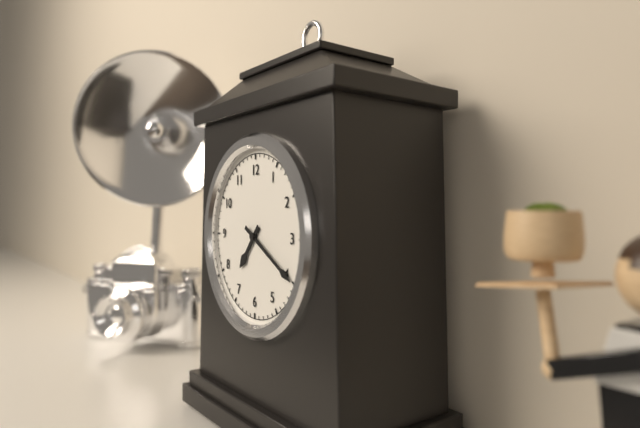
7:20
